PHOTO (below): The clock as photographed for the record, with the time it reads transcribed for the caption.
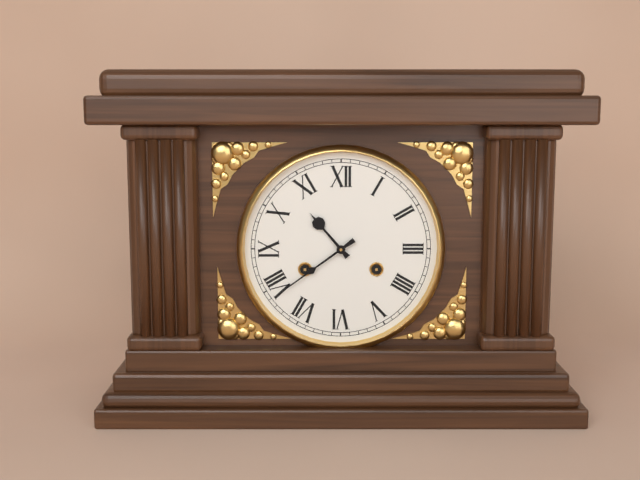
10:39
